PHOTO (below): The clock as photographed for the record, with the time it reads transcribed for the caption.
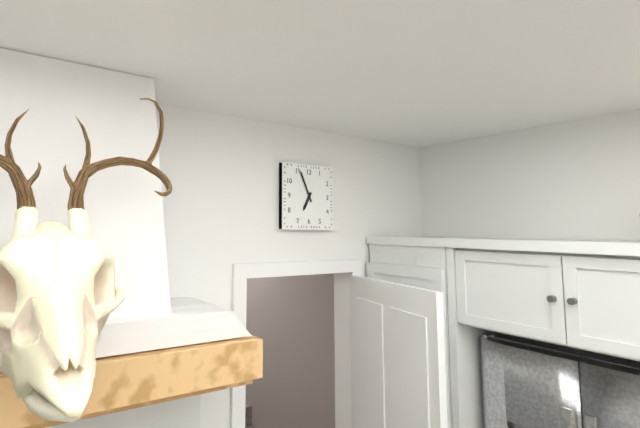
6:56
